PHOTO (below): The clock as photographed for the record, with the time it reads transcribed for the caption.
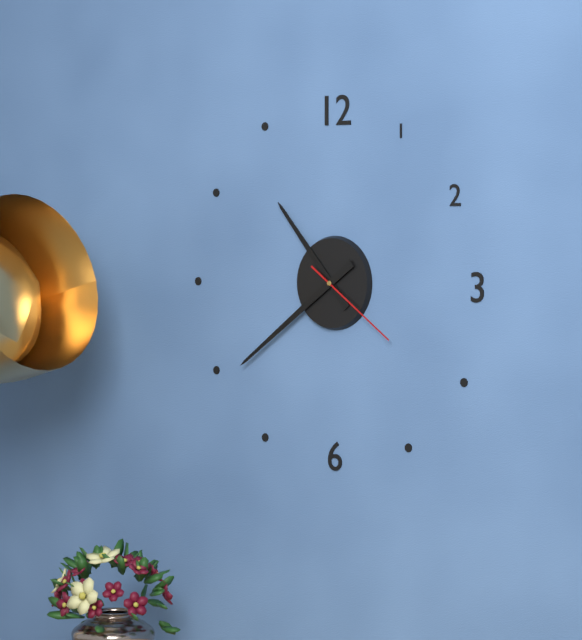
10:39:21
